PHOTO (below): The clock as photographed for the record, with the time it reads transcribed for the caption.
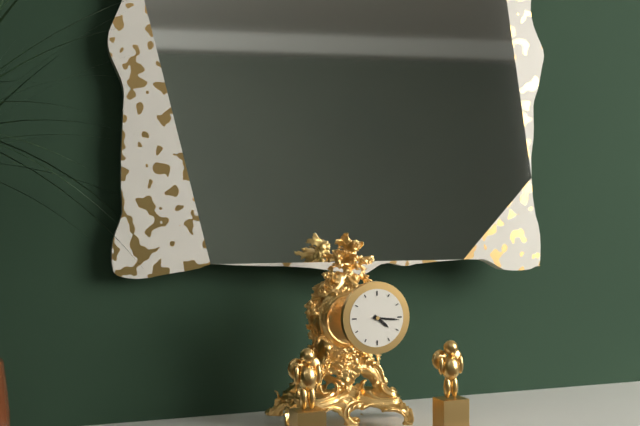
4:16
